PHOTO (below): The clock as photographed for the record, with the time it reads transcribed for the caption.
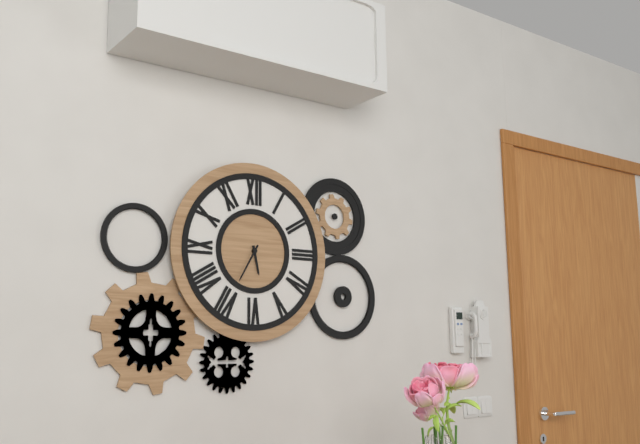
5:35
